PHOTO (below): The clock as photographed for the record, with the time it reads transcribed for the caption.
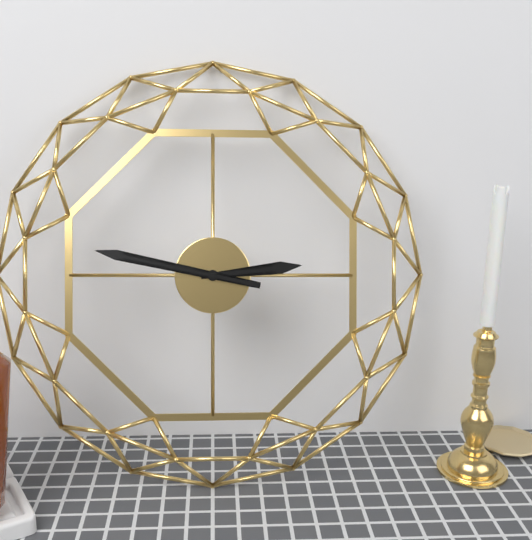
2:47
